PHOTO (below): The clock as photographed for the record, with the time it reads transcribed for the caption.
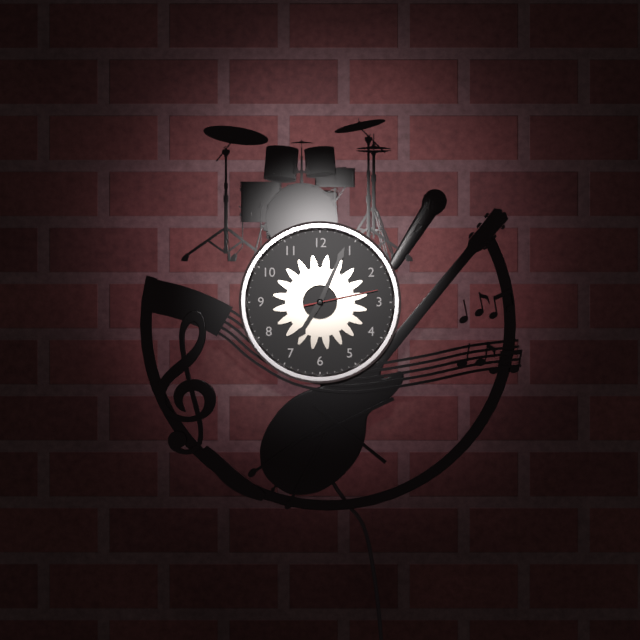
7:04:13
